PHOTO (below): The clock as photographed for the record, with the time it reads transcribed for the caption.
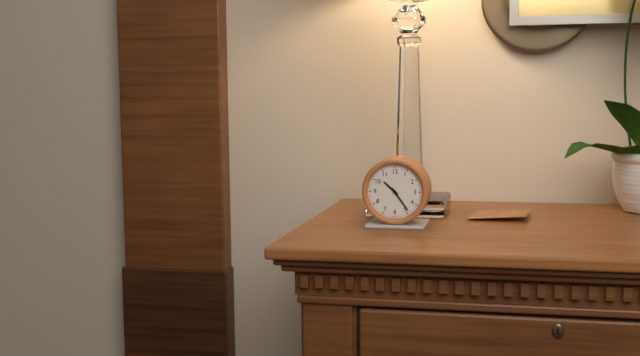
10:24
